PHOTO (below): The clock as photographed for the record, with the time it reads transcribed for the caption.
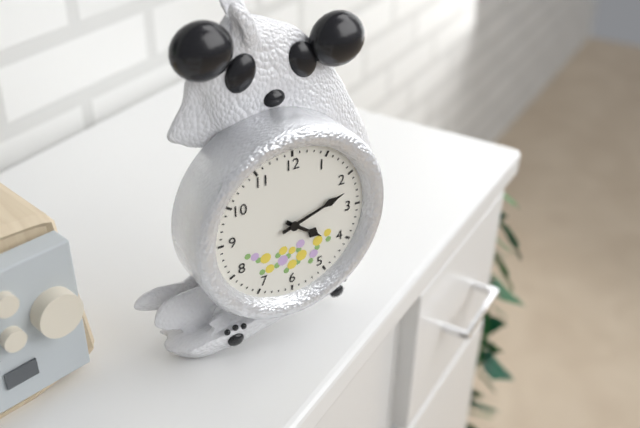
4:12
